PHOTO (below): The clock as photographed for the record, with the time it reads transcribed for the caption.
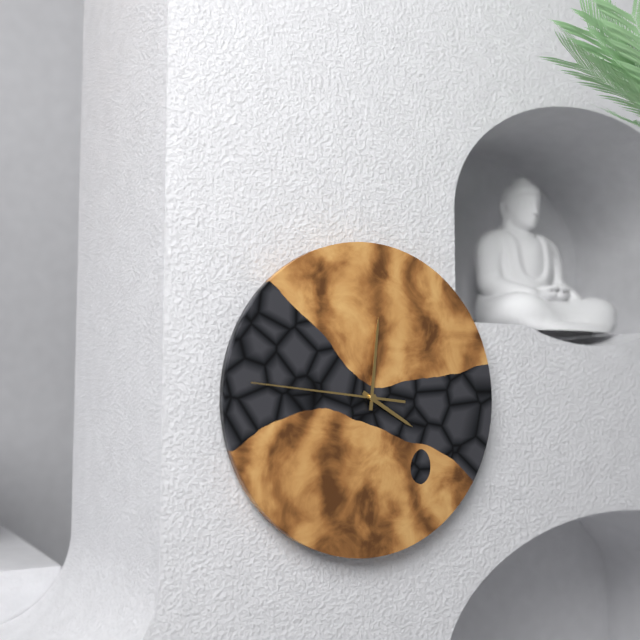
4:01:46
